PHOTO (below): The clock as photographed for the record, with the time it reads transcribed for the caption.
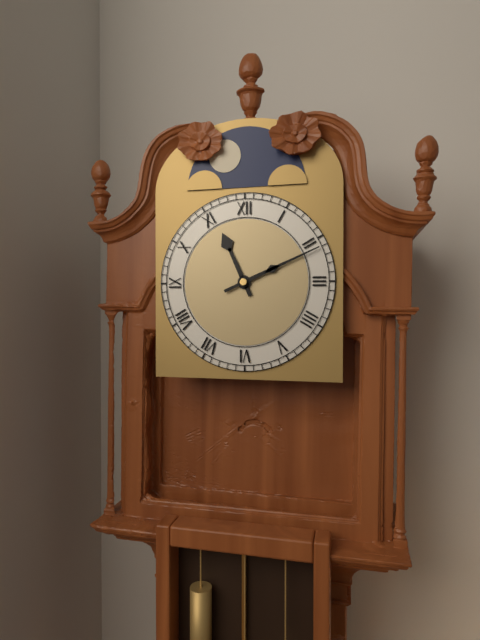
11:11
